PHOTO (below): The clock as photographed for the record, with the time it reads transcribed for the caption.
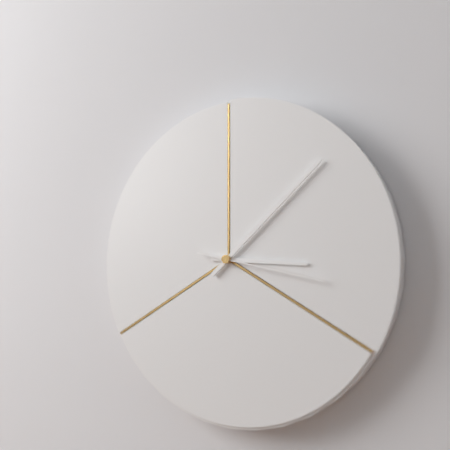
3:08:17
